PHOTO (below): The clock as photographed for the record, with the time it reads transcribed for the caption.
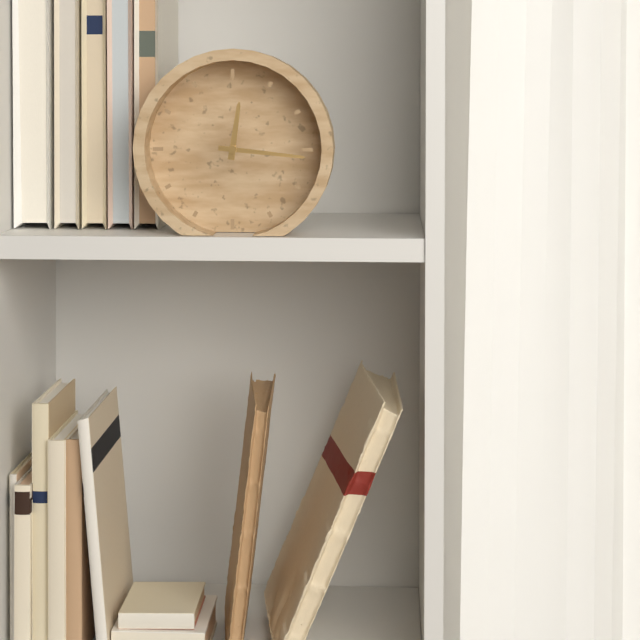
12:16
